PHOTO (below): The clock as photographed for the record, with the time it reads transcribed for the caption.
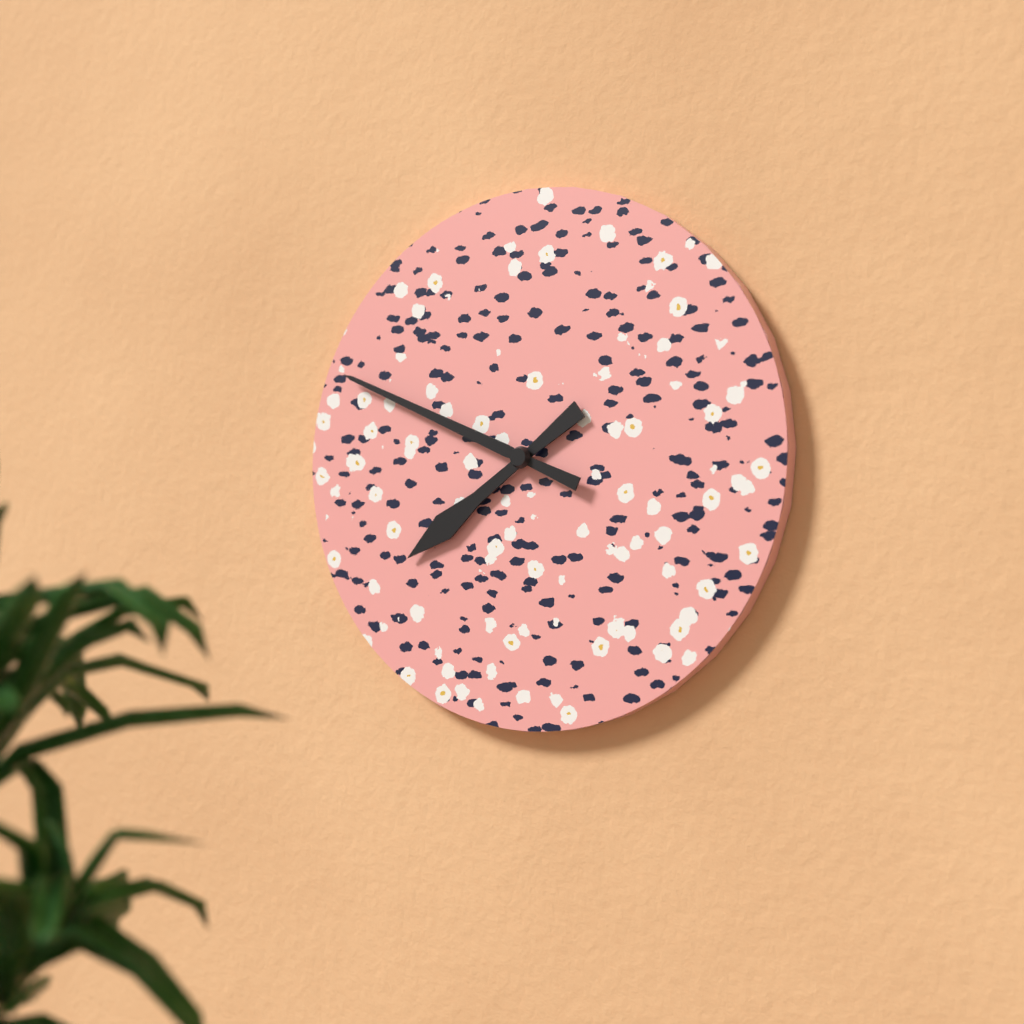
7:49
